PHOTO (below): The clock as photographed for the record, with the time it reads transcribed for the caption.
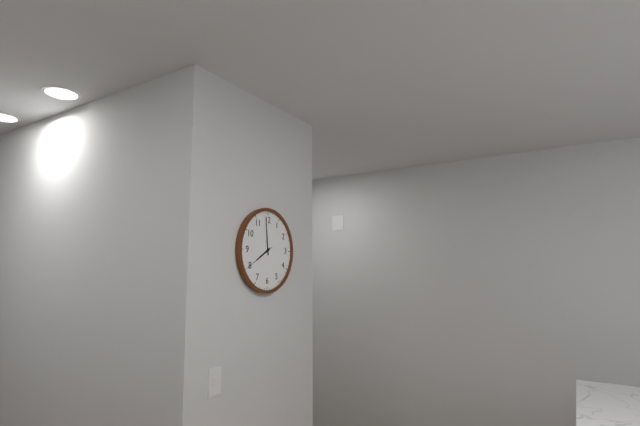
7:59
